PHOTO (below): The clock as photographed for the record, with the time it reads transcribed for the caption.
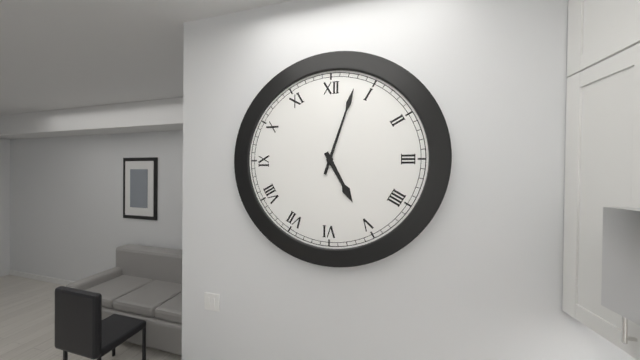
5:03
